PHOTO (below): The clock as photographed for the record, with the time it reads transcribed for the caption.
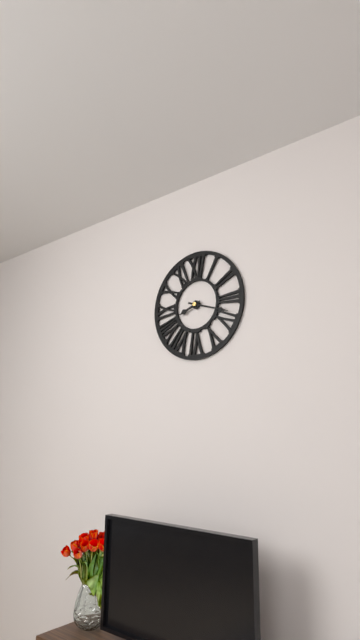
8:18
